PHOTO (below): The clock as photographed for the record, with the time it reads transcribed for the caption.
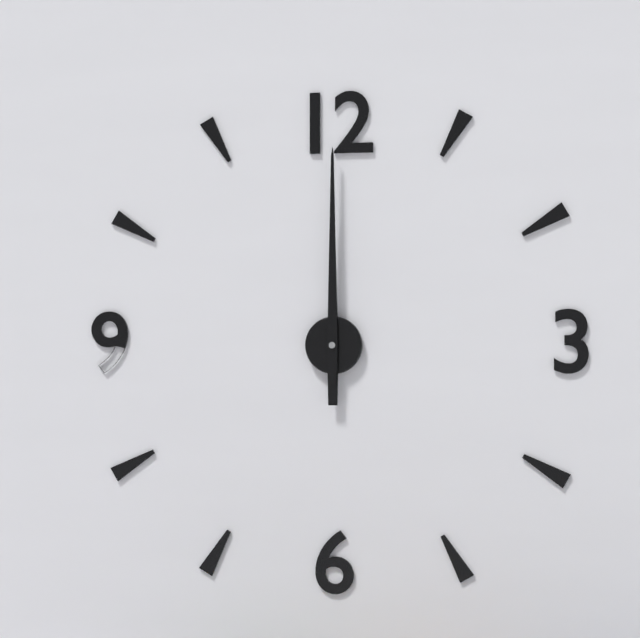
12:00
